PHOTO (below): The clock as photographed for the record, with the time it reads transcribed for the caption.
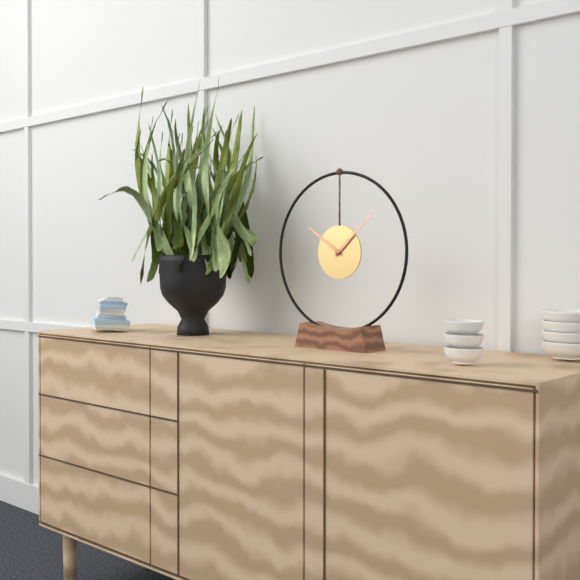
10:08
